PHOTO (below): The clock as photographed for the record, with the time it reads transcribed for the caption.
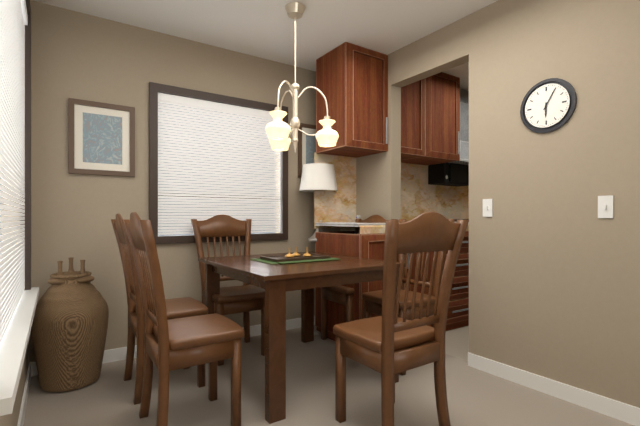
6:05
